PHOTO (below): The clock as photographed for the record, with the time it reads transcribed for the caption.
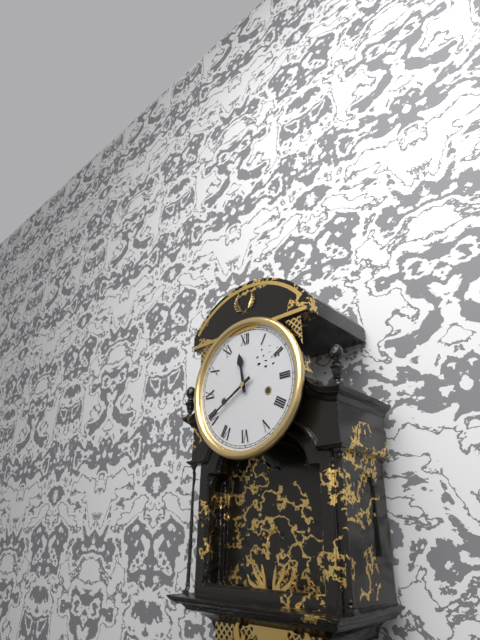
11:40
